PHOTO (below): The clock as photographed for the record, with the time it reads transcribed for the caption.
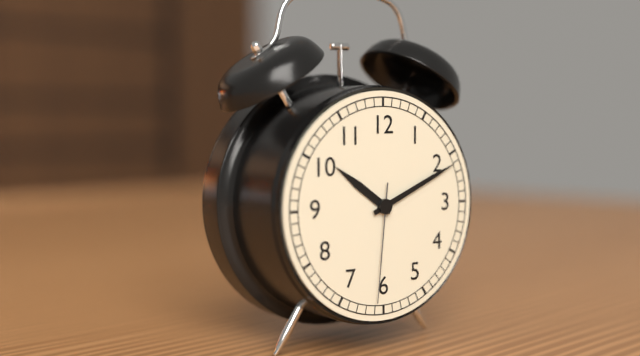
10:11:31
